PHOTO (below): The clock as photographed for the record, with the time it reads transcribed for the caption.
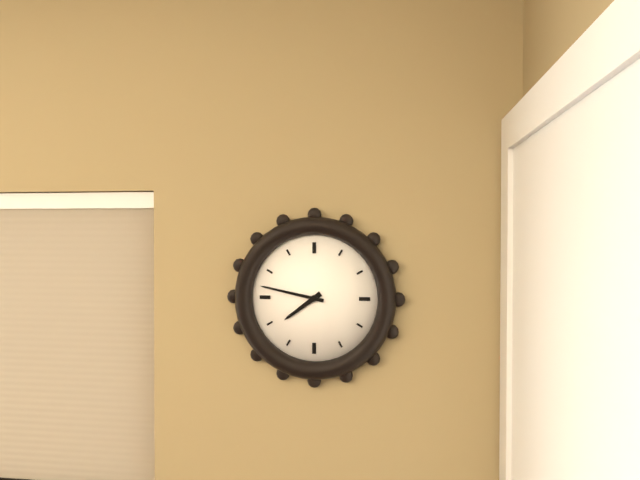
7:47
